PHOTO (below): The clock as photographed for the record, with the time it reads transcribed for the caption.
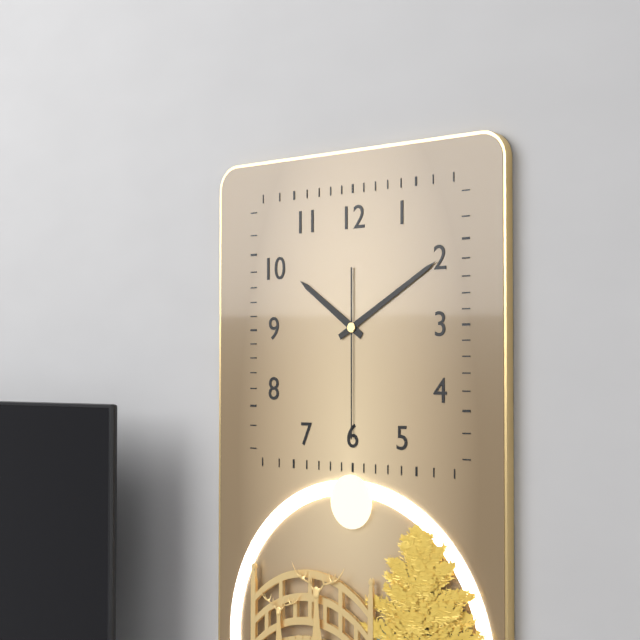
10:10:30
